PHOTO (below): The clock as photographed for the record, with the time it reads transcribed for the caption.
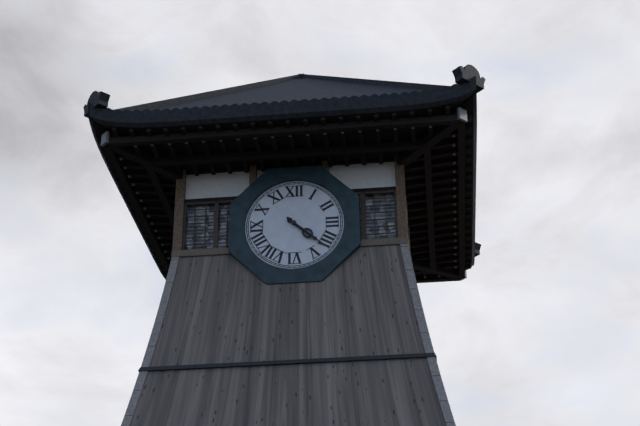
4:22
